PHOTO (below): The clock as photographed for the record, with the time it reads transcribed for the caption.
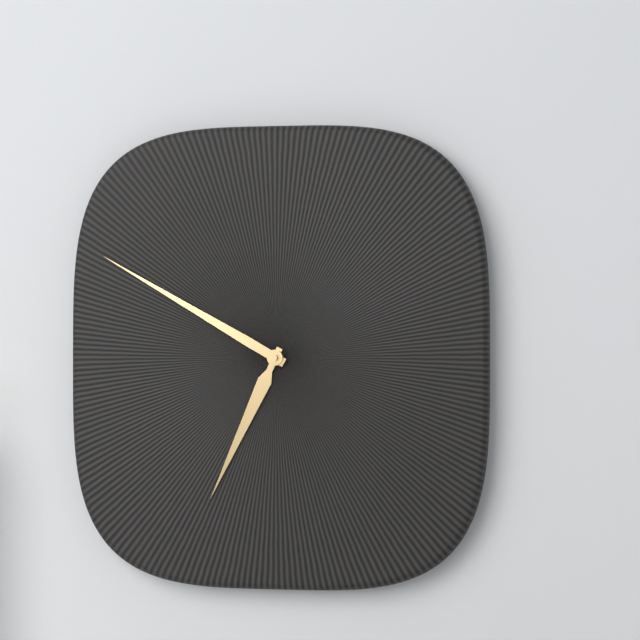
6:50
